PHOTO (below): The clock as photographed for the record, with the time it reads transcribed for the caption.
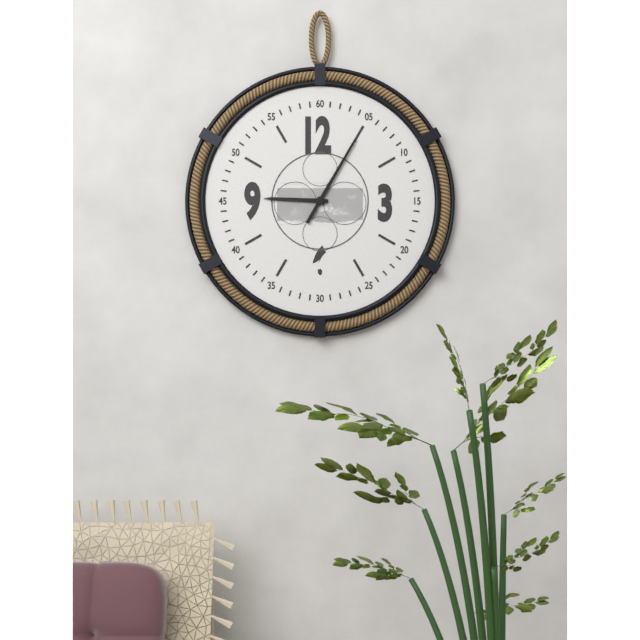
9:05
